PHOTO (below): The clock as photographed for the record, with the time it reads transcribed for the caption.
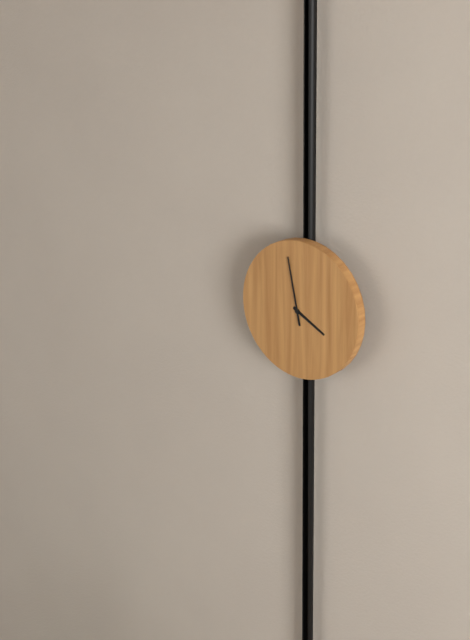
3:58
